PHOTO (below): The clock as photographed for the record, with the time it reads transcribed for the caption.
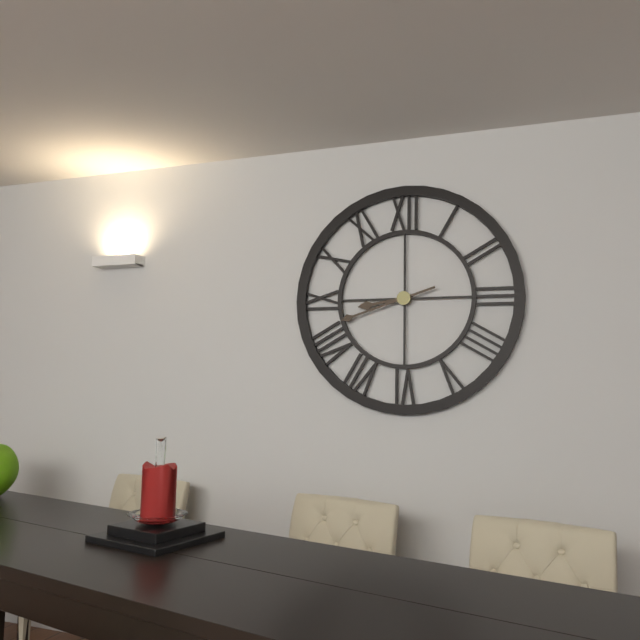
8:42
